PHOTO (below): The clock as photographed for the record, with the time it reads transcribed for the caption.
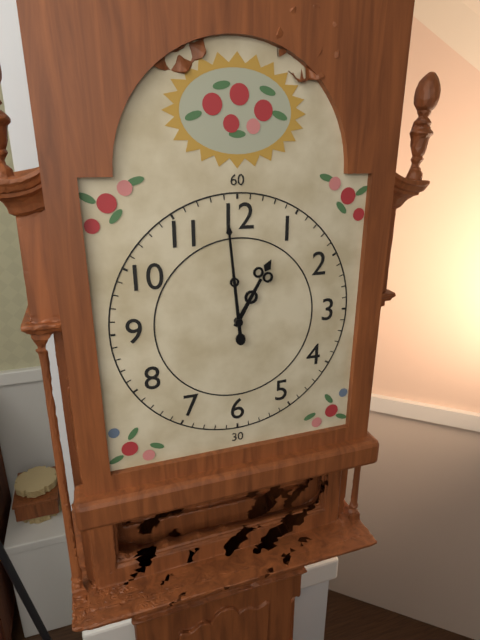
12:59
